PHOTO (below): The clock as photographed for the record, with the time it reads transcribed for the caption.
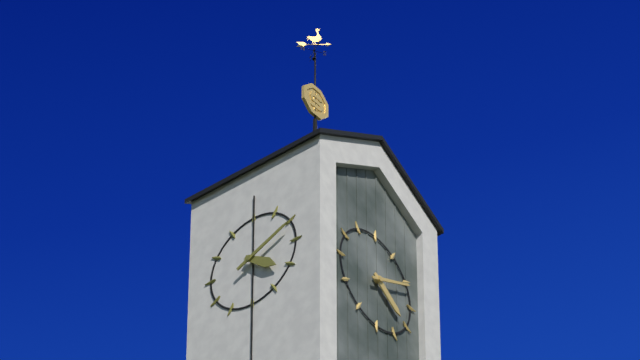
4:11
